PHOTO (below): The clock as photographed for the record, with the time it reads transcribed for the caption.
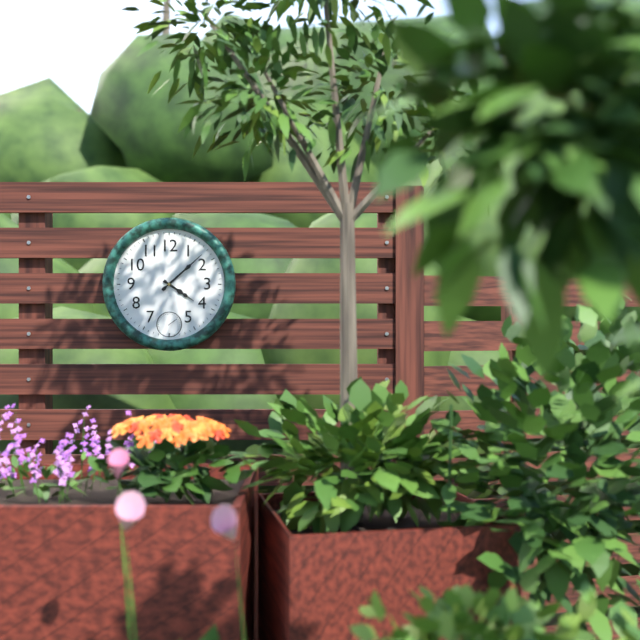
4:08
